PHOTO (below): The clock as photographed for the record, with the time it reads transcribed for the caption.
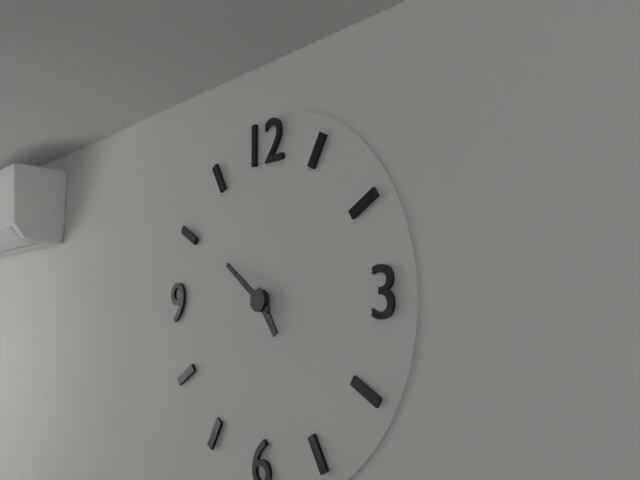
4:51
